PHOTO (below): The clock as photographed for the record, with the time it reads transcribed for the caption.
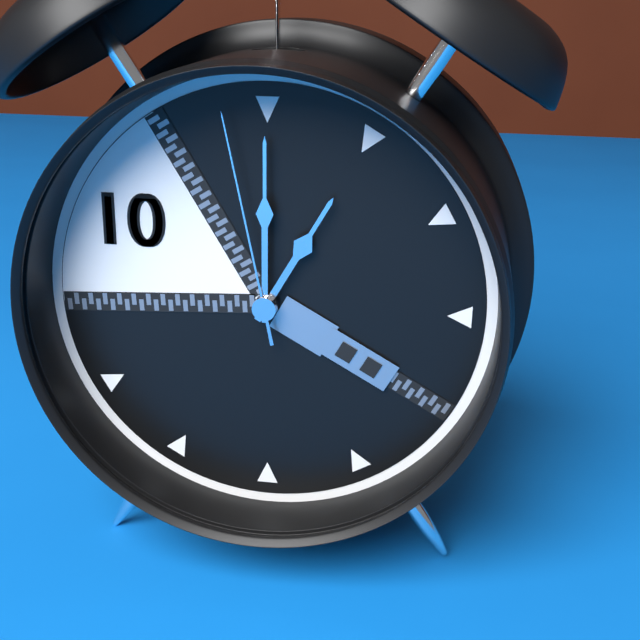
1:00:58
